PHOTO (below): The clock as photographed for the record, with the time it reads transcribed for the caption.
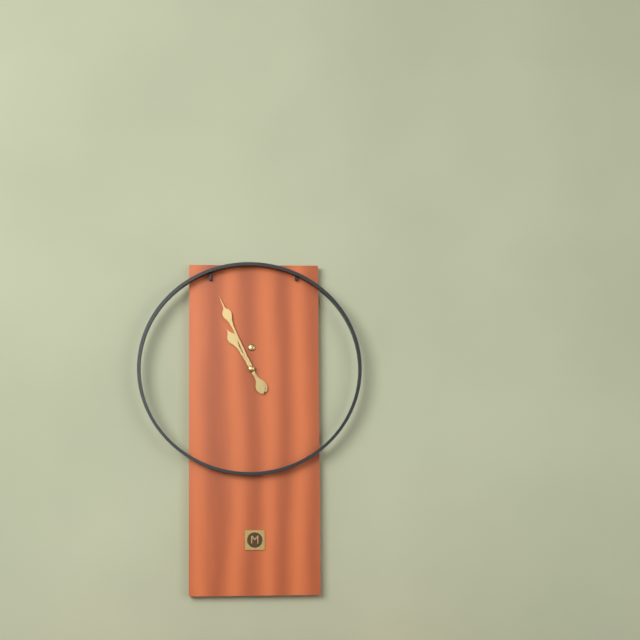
10:56
